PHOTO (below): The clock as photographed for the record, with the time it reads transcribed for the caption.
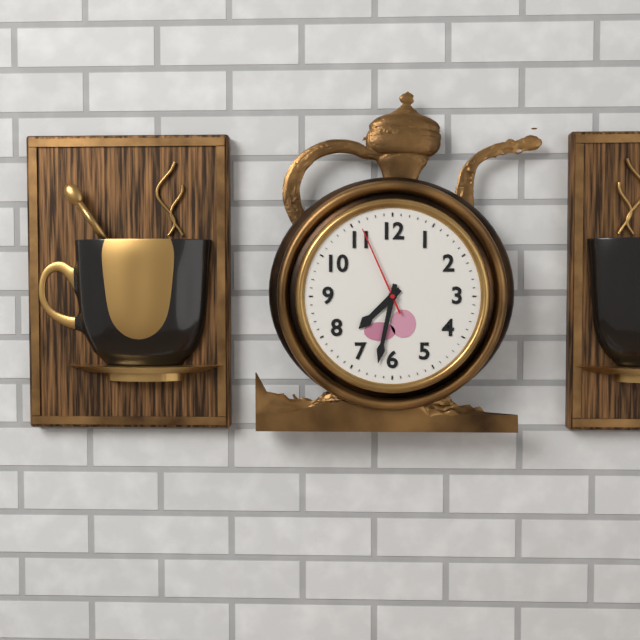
7:32:56
